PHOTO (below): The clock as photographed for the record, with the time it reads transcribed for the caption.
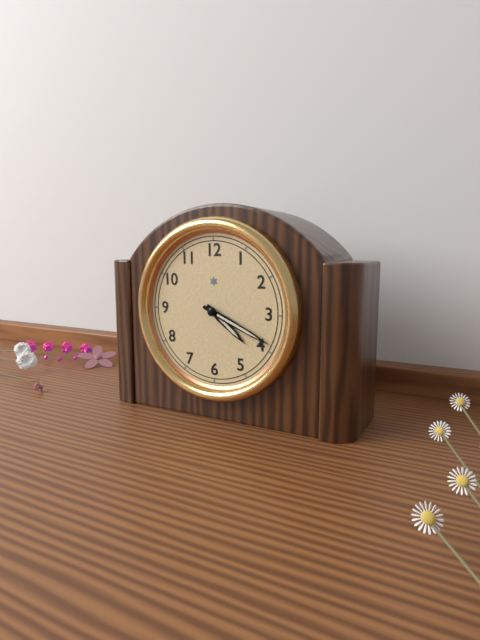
4:19
